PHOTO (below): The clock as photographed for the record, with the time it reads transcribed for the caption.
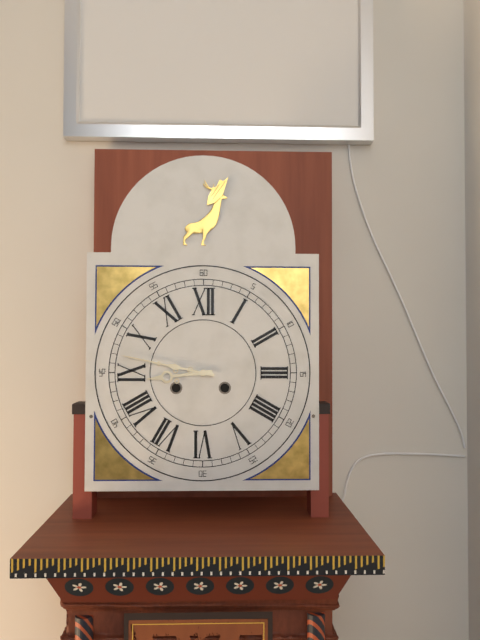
8:47
